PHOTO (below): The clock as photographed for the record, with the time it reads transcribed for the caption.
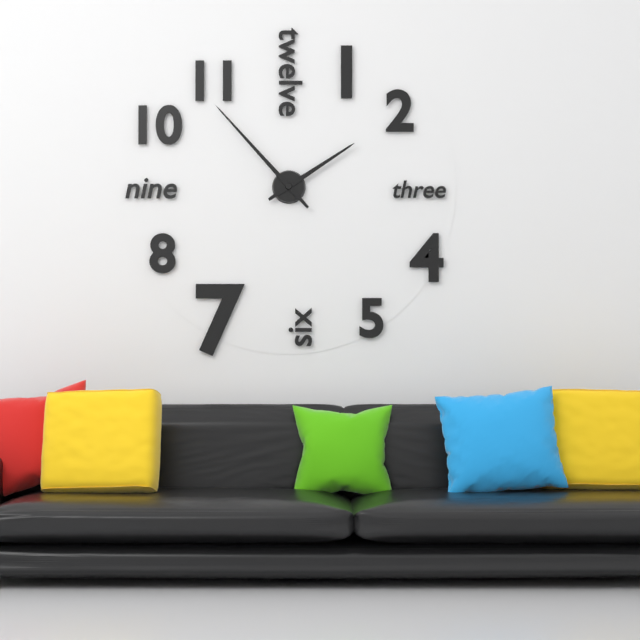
1:53
